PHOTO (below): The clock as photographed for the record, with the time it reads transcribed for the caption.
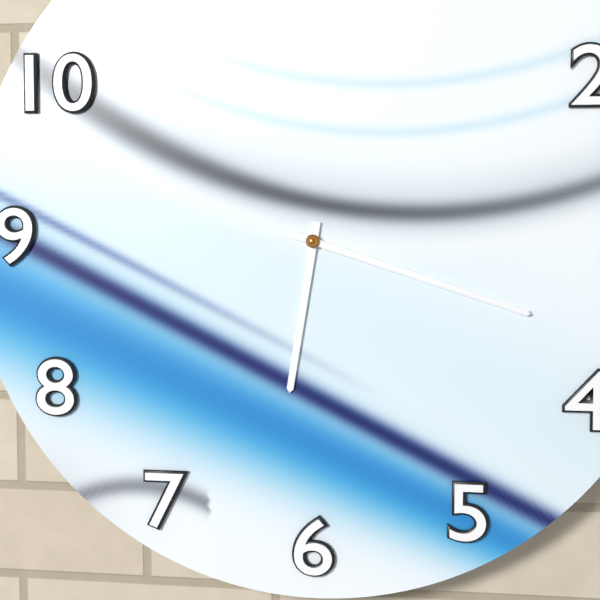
6:18
